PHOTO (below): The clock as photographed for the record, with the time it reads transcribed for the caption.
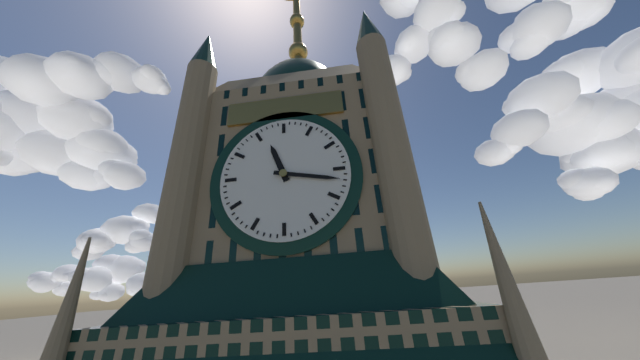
11:17
